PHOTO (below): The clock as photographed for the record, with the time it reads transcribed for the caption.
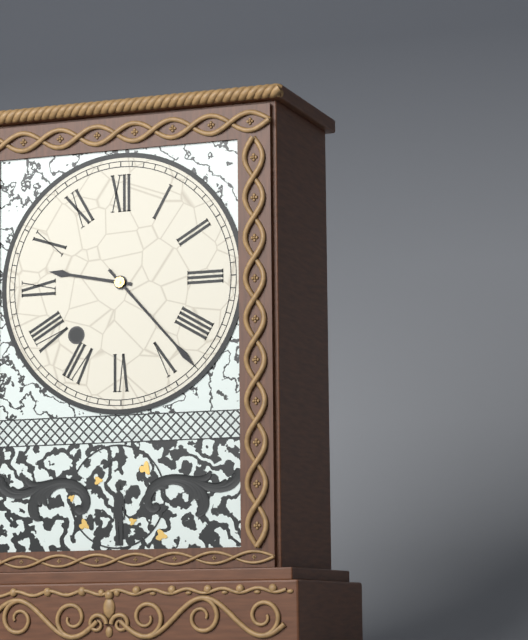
9:23
